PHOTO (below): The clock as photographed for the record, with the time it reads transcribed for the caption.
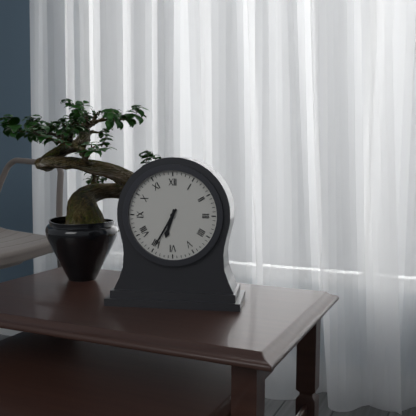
6:35
